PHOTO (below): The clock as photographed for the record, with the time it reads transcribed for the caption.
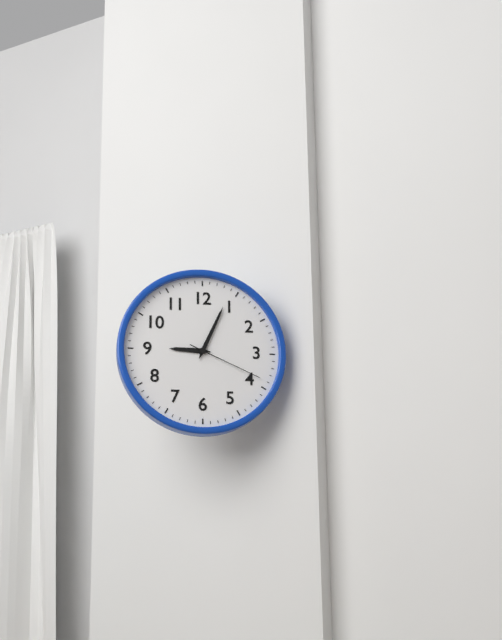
9:04:19
